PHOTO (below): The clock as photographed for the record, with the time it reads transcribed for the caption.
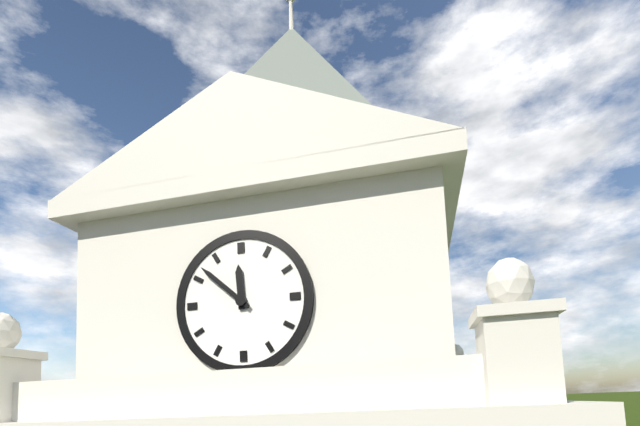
11:52
